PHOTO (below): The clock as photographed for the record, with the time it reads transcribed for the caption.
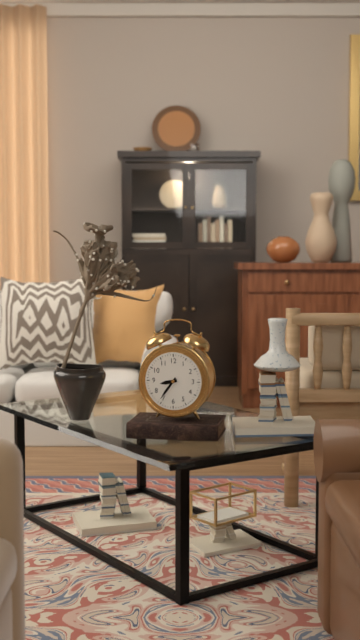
8:36
